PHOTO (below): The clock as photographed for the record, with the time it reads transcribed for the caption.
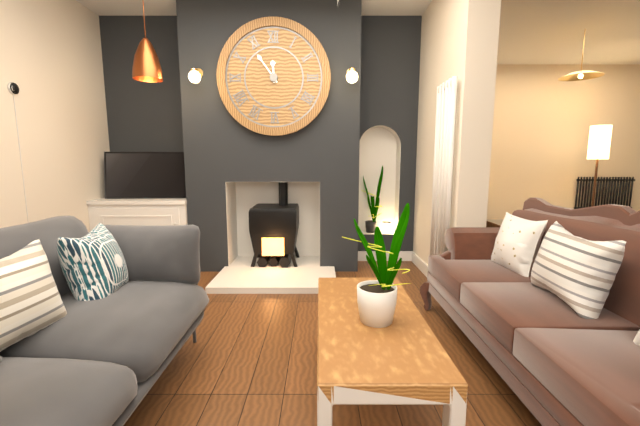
11:54
